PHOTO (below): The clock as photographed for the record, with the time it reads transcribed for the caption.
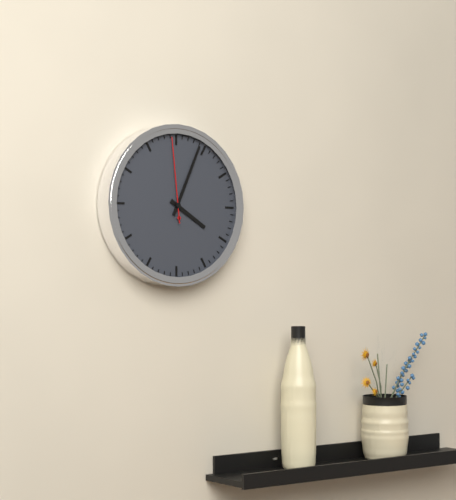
4:04:59
